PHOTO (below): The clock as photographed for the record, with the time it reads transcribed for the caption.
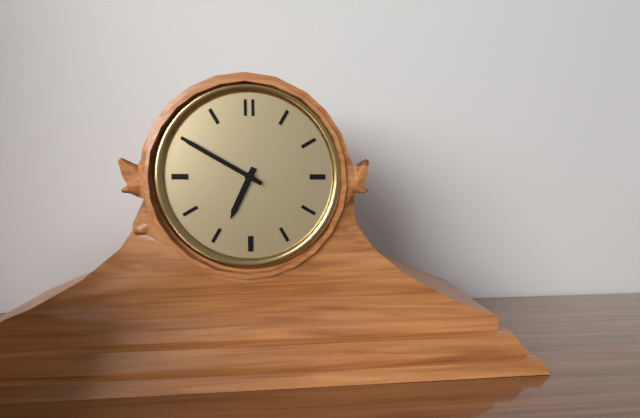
6:50
